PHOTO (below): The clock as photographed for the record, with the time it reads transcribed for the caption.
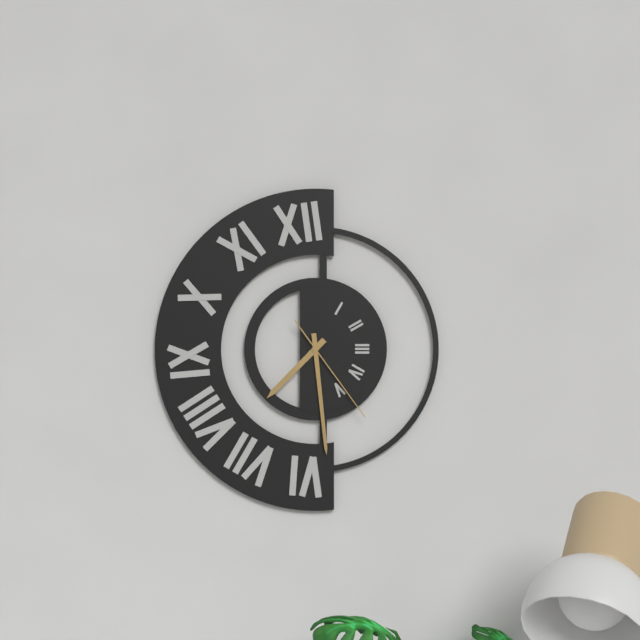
7:29:24
